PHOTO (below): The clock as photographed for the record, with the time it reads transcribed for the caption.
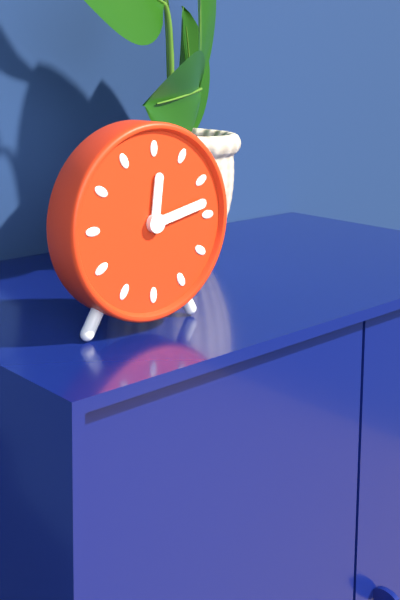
12:13
